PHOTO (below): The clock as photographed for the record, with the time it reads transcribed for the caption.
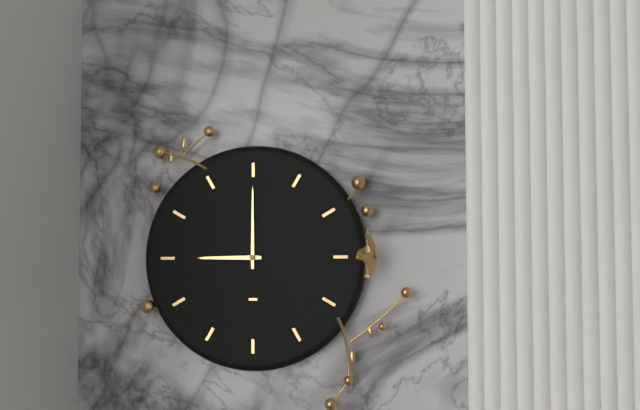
9:00
